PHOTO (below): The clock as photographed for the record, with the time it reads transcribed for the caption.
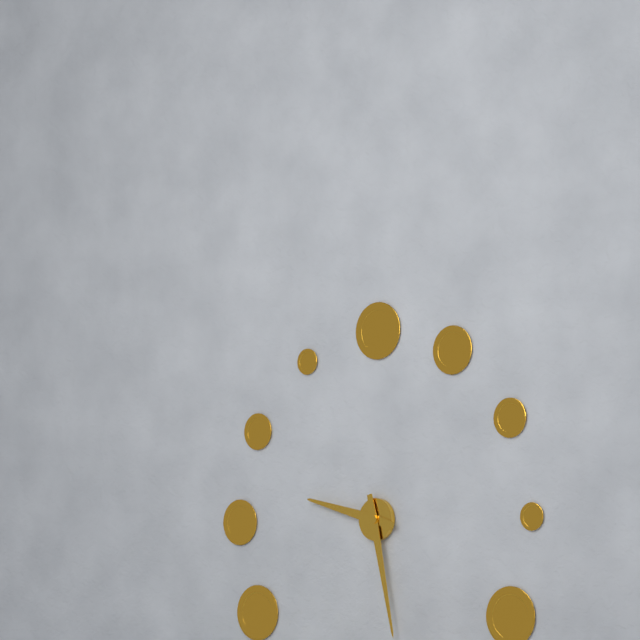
9:28
